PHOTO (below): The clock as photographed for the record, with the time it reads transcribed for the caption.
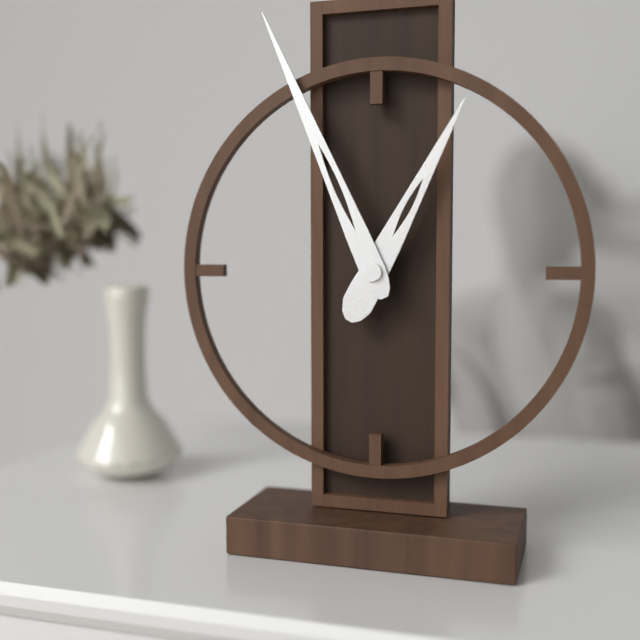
12:56
